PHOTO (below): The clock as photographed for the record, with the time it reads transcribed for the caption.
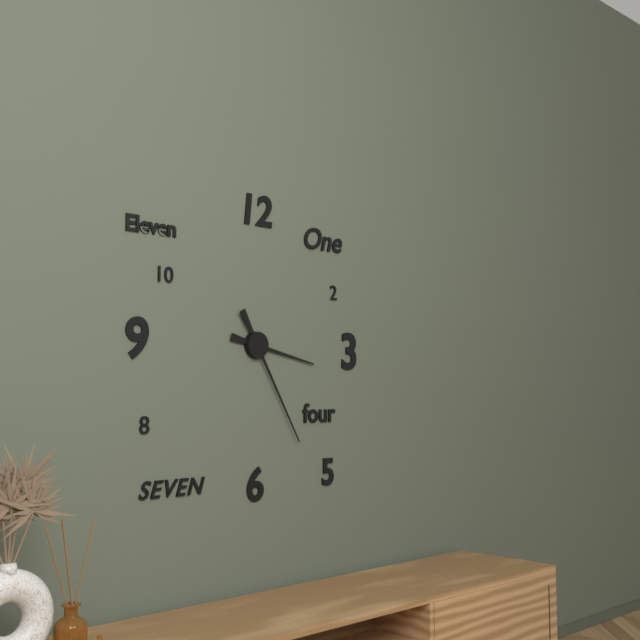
3:25
